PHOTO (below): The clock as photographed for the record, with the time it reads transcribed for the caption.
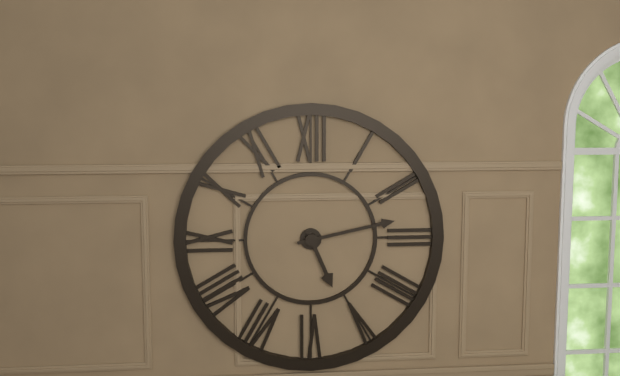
5:13
